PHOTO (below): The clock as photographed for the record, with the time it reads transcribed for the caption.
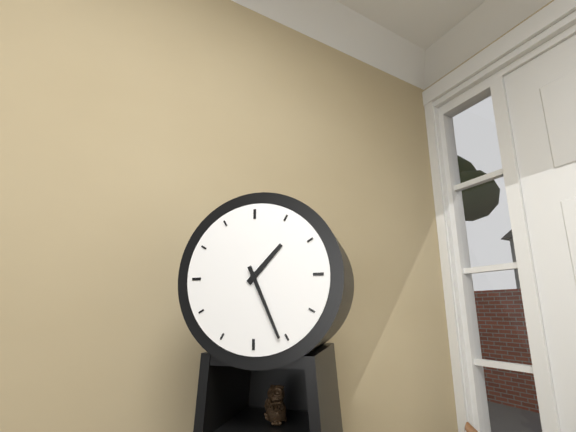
1:26
